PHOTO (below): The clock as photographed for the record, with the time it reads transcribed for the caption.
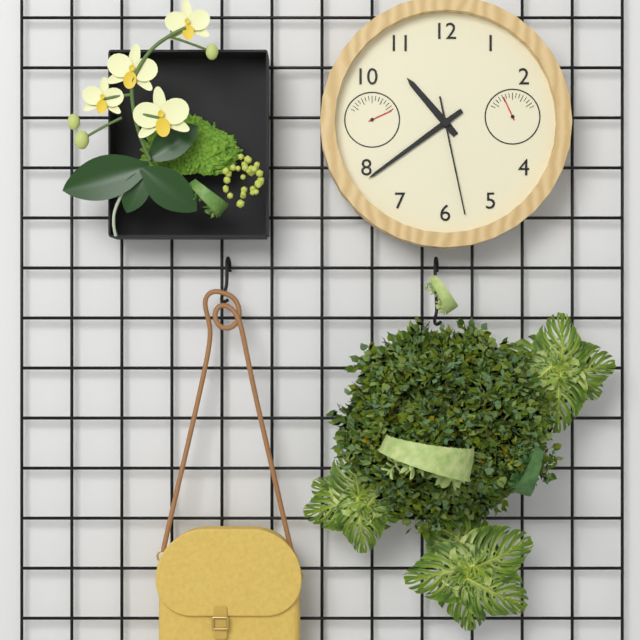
10:39:28
